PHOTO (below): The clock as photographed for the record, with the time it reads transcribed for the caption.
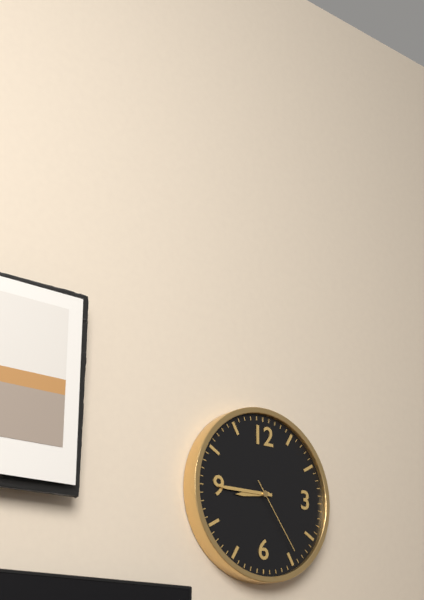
8:45:24
